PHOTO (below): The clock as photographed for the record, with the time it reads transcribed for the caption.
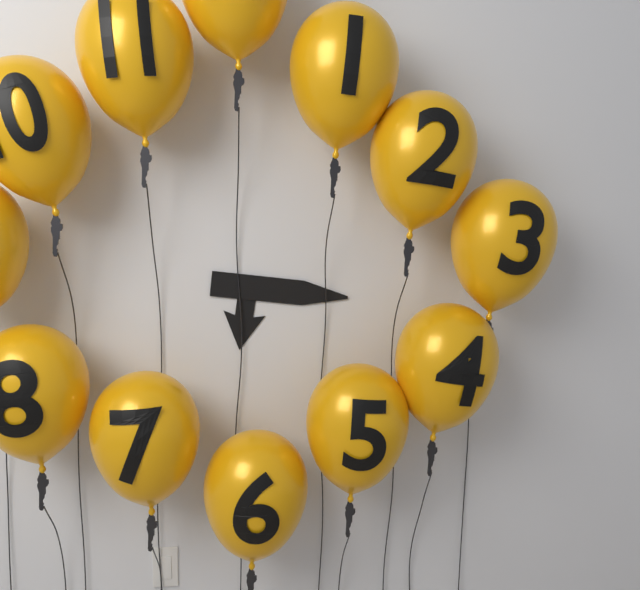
6:16
